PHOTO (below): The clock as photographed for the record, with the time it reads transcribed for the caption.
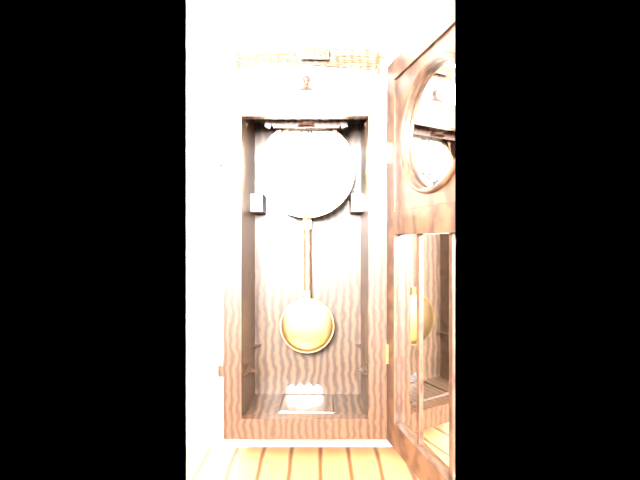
7:45
